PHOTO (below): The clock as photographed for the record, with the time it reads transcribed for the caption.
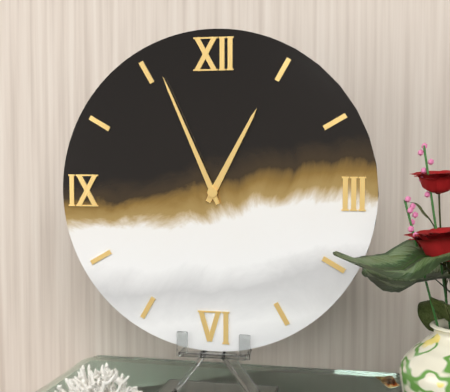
12:56
